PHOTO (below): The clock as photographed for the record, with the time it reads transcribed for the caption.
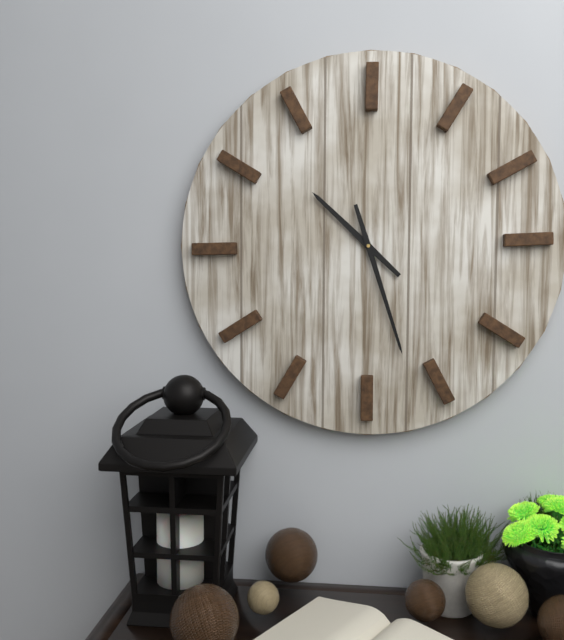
10:27
